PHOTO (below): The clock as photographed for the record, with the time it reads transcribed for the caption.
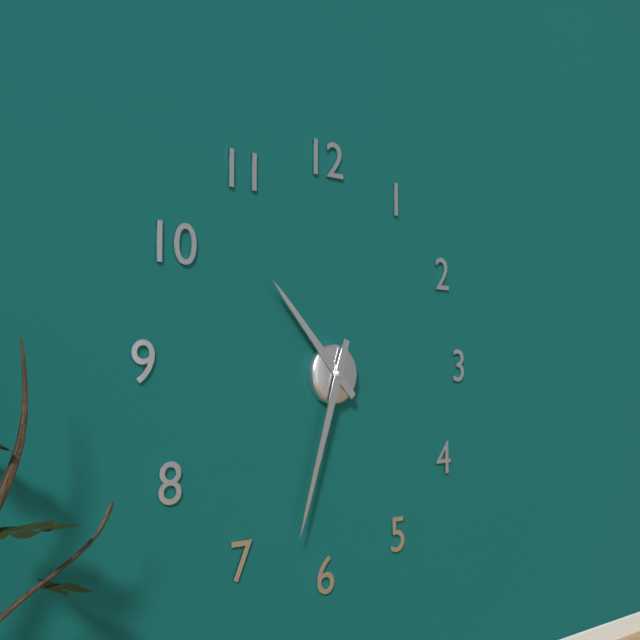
10:33
